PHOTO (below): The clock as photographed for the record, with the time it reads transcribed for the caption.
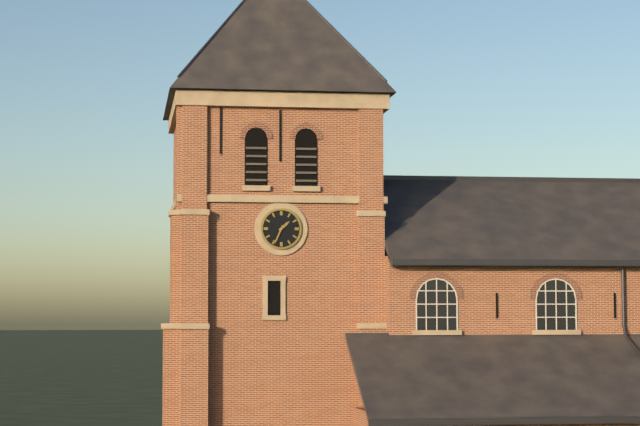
1:34
